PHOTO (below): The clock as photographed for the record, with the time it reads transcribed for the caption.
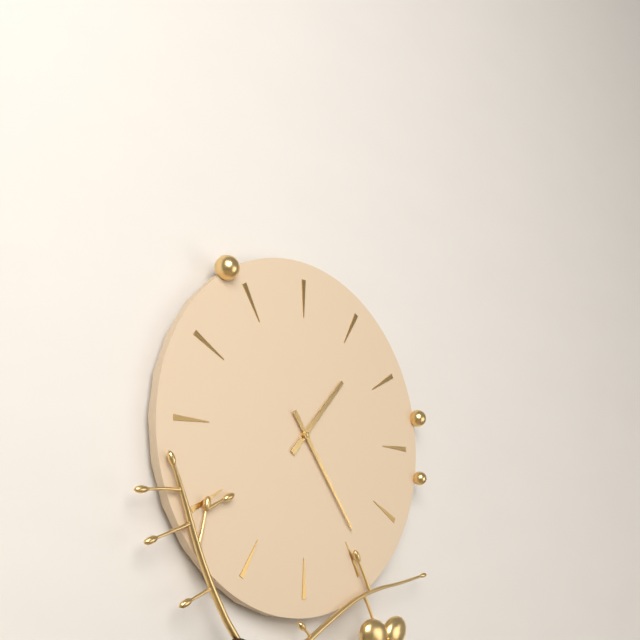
1:24
